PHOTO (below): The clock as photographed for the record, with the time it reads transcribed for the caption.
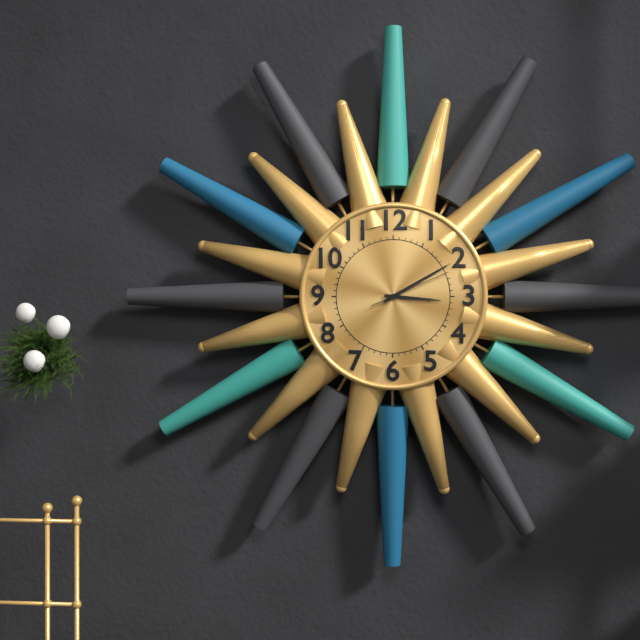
3:10:11
